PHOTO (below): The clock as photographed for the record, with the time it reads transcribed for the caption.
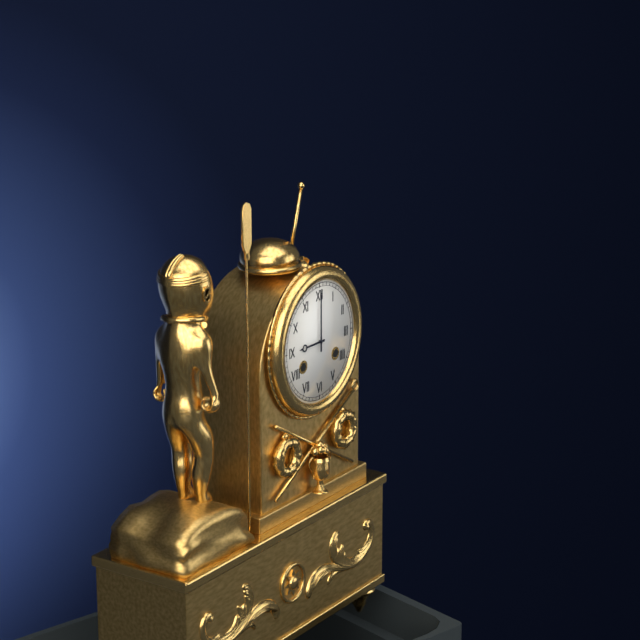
9:00
